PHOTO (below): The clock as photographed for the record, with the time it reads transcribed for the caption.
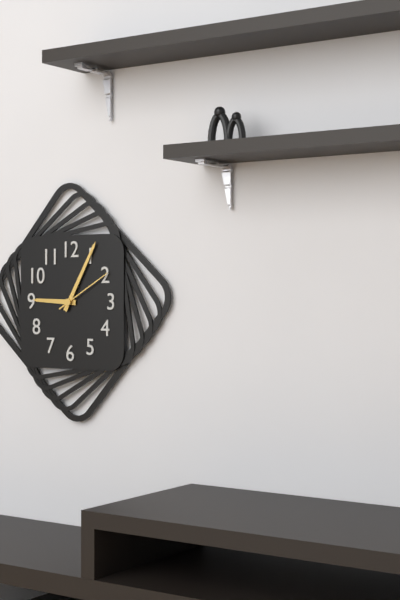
9:05:10
